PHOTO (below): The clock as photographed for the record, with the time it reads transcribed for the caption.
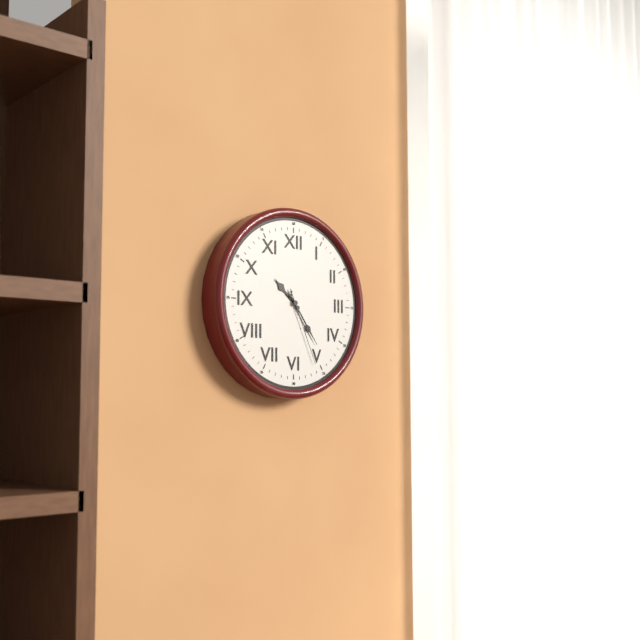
10:24:26
